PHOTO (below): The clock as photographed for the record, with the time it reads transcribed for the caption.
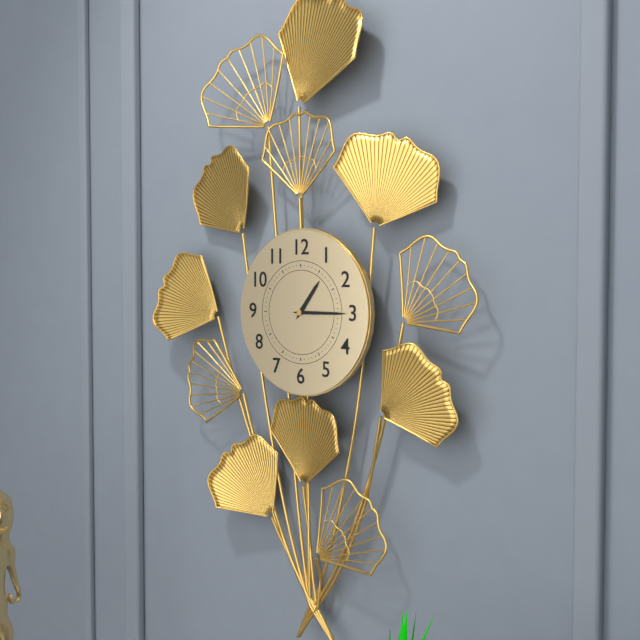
1:15
